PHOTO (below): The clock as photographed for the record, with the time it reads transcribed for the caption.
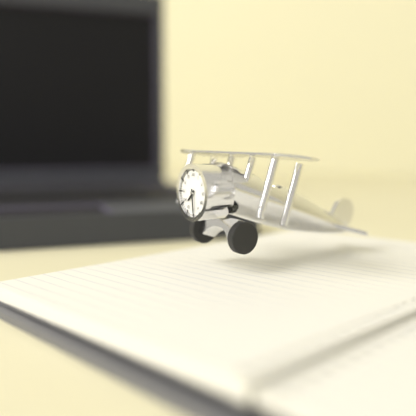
7:29
